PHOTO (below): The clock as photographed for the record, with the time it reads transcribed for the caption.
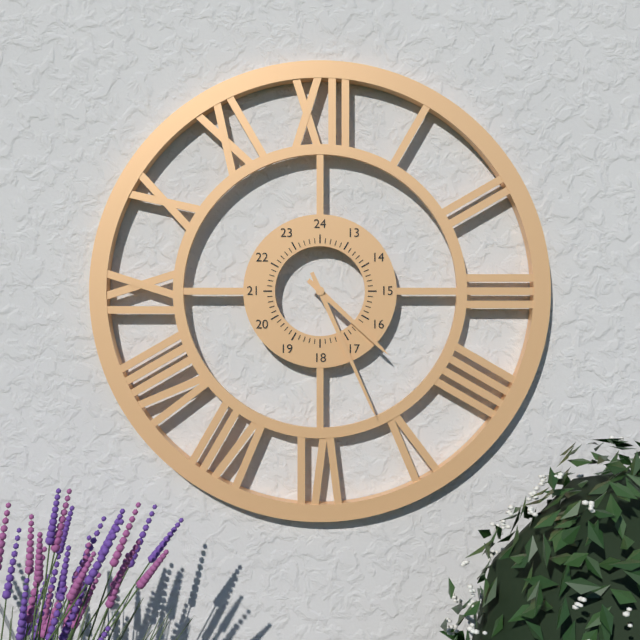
4:26
